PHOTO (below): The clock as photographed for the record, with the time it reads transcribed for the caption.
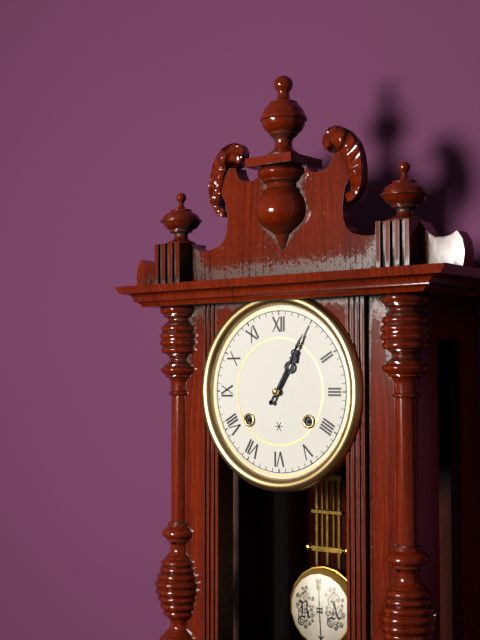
1:05
